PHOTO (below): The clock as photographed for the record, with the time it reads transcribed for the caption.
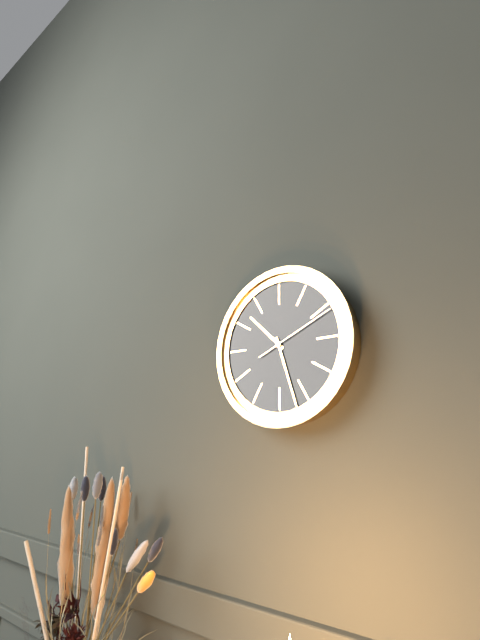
10:27:11
